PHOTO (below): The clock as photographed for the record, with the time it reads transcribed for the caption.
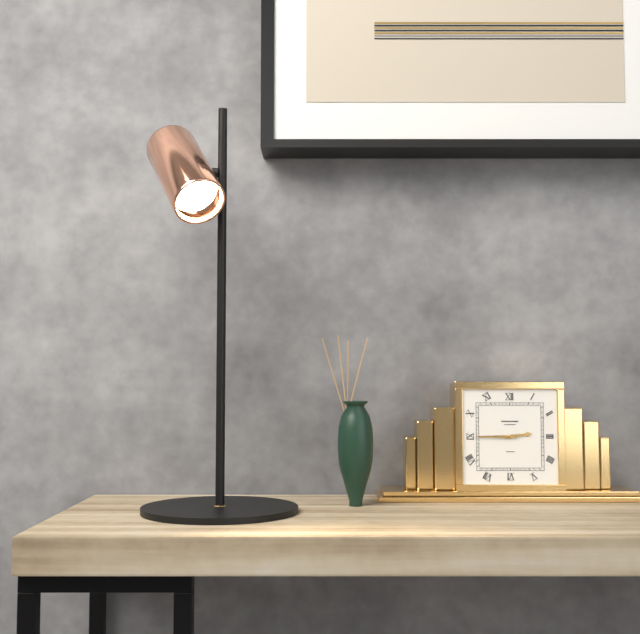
2:45
